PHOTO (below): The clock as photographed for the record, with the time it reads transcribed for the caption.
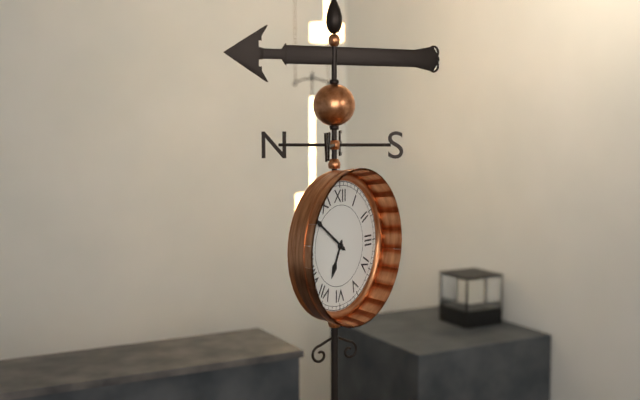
6:51
